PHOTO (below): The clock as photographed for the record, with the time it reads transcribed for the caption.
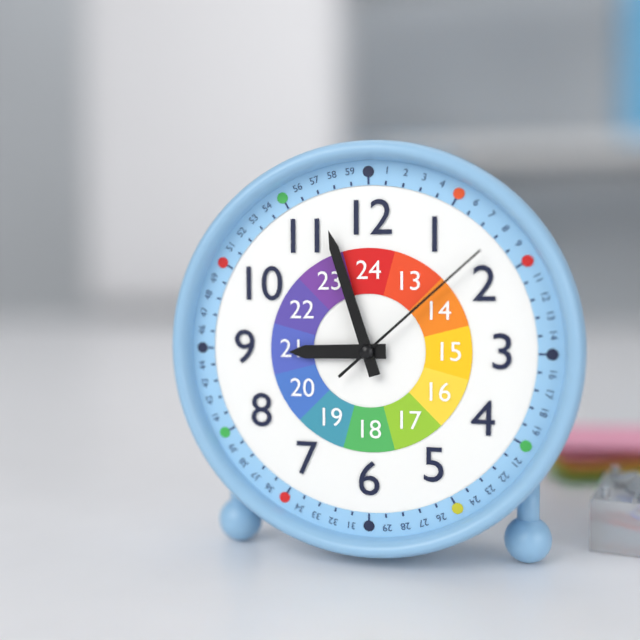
8:57:08
